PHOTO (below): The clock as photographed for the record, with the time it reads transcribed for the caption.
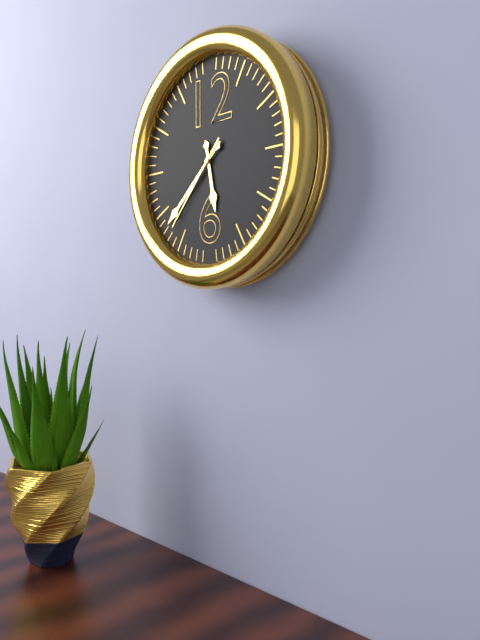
5:38:37
